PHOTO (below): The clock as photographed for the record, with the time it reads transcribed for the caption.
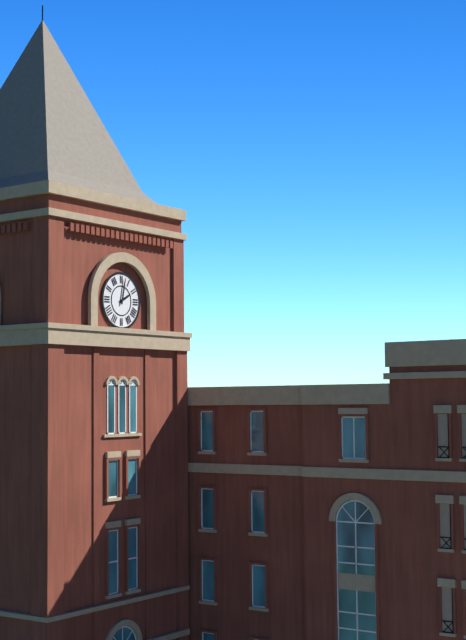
2:02
